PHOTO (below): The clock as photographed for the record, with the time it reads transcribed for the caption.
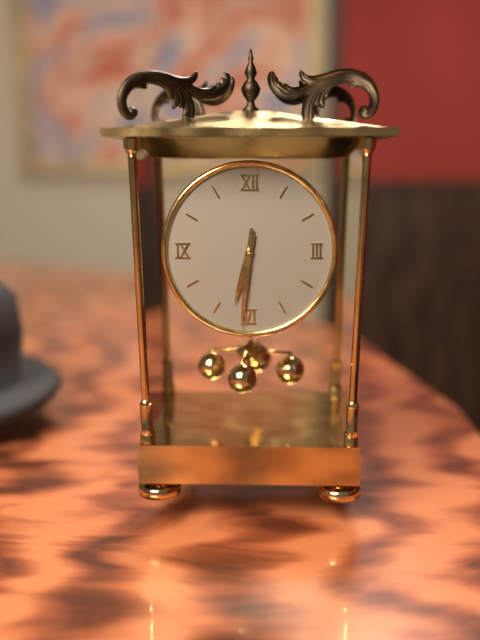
6:31
